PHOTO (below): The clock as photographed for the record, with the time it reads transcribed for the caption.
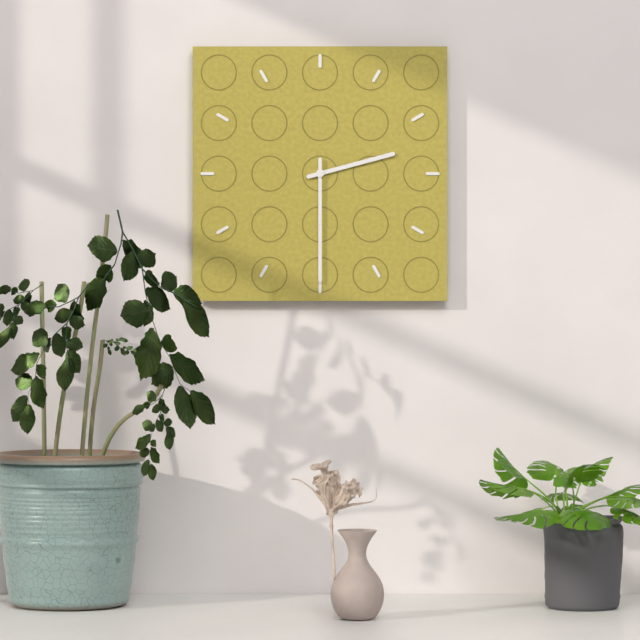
2:30
